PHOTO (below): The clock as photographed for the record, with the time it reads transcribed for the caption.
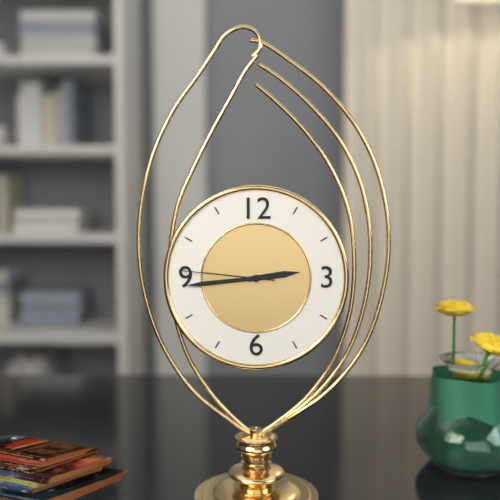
2:44:46
